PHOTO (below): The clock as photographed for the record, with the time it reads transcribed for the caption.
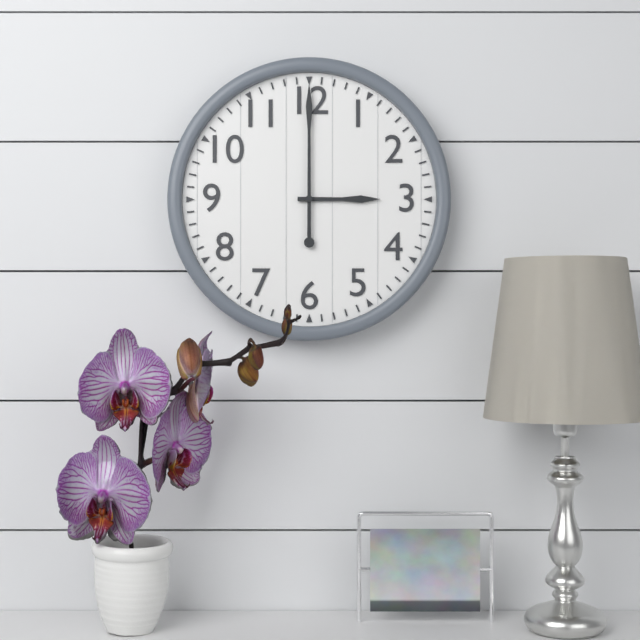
3:00
